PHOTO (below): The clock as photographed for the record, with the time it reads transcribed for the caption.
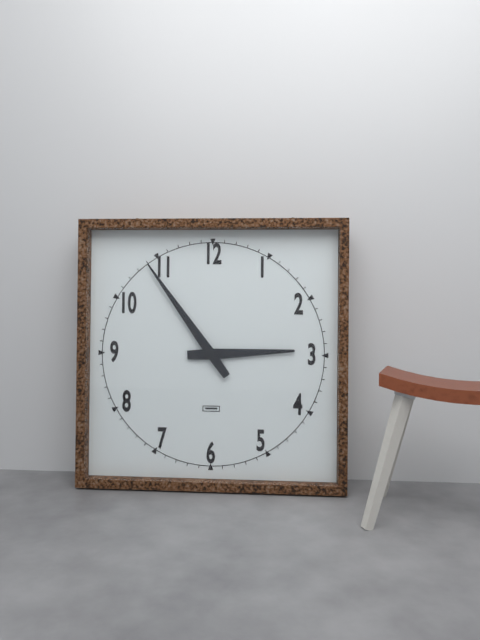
2:54
